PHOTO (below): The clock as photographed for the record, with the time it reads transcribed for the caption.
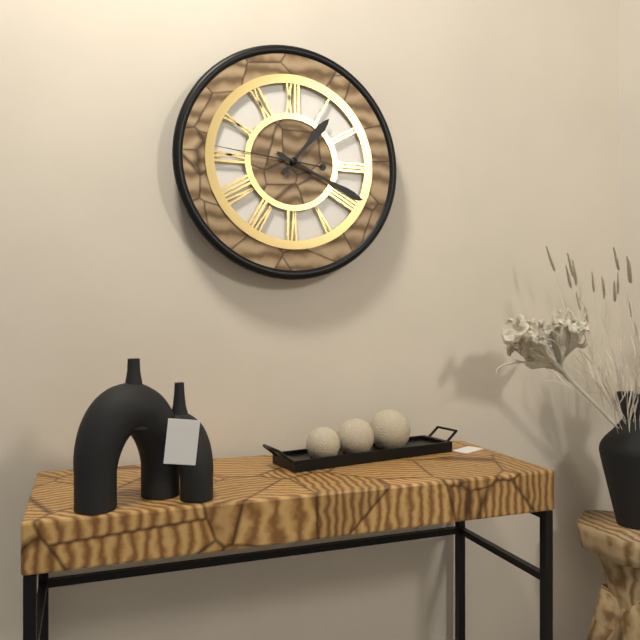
1:19:46
